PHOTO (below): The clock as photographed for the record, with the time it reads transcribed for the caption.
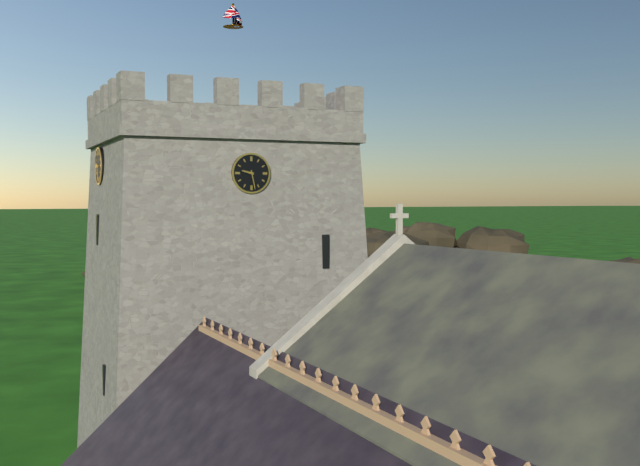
9:28
